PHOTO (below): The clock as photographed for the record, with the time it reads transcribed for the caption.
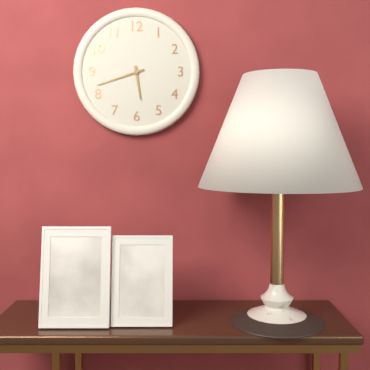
5:42
